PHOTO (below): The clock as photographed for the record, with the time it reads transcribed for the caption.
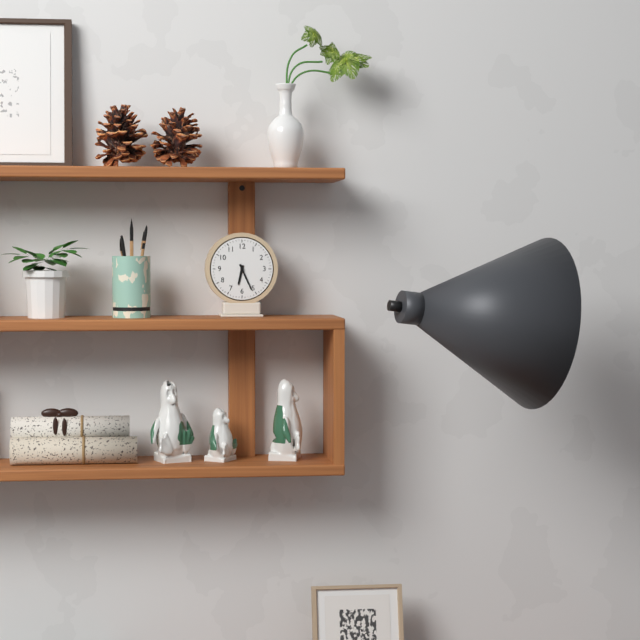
6:26
